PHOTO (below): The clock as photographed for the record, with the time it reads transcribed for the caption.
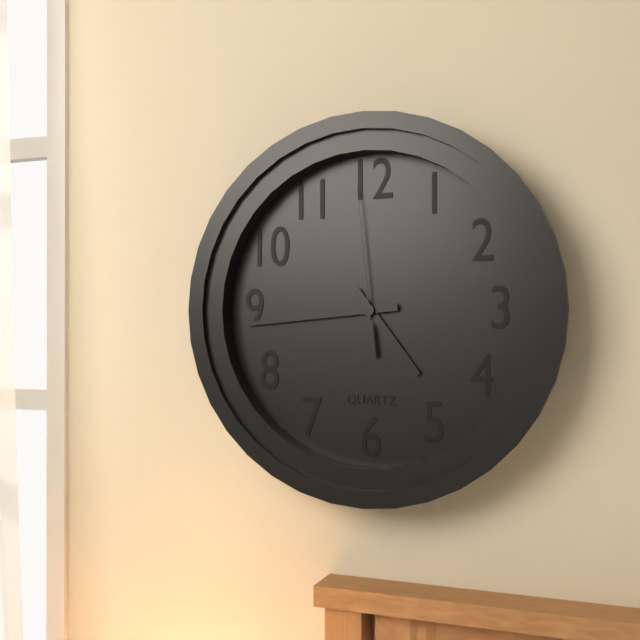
4:44:59
